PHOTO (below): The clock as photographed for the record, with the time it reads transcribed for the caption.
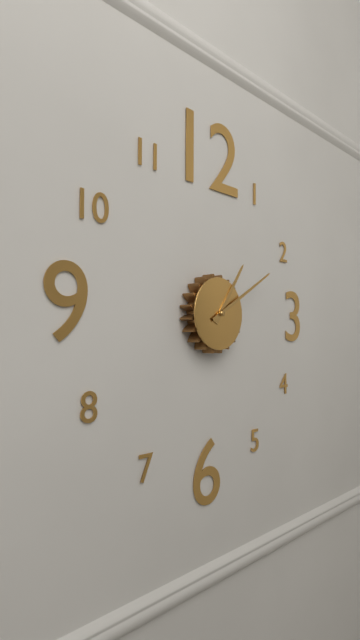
1:10
